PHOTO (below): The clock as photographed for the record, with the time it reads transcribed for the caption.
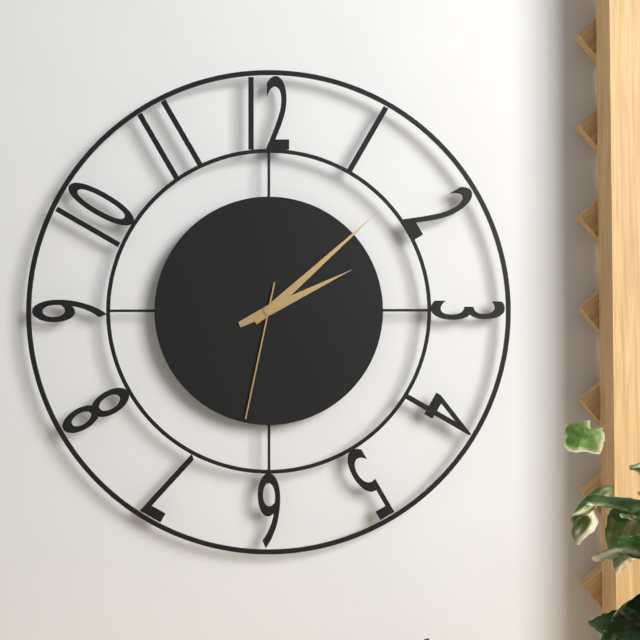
2:08:32
